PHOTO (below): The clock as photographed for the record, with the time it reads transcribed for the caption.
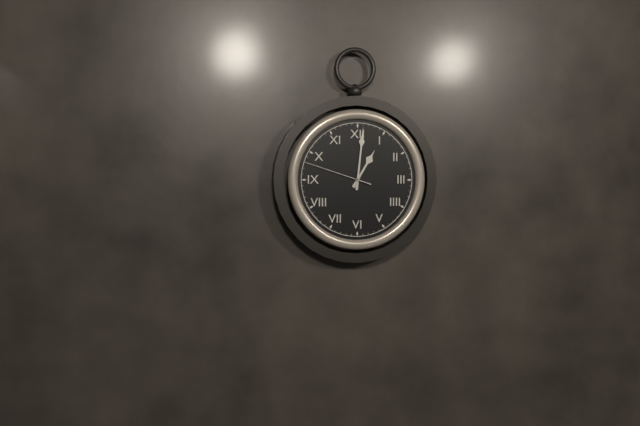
1:01:48
